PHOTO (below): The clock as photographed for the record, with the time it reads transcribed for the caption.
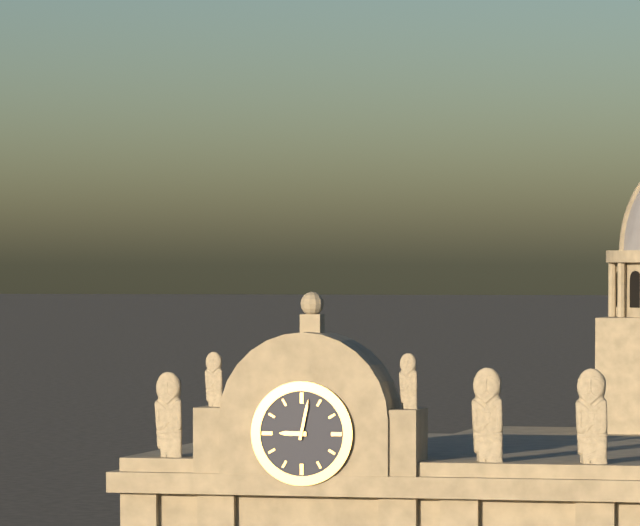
9:02
